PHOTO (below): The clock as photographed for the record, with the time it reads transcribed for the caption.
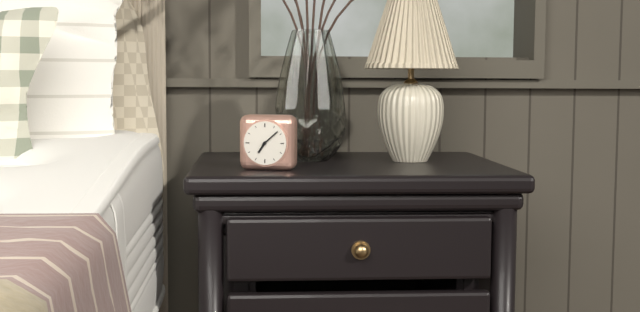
7:08
